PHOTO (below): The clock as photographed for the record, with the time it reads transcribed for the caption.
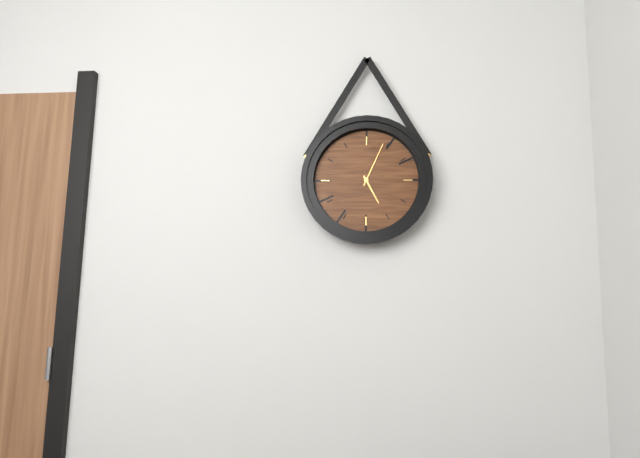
5:04
